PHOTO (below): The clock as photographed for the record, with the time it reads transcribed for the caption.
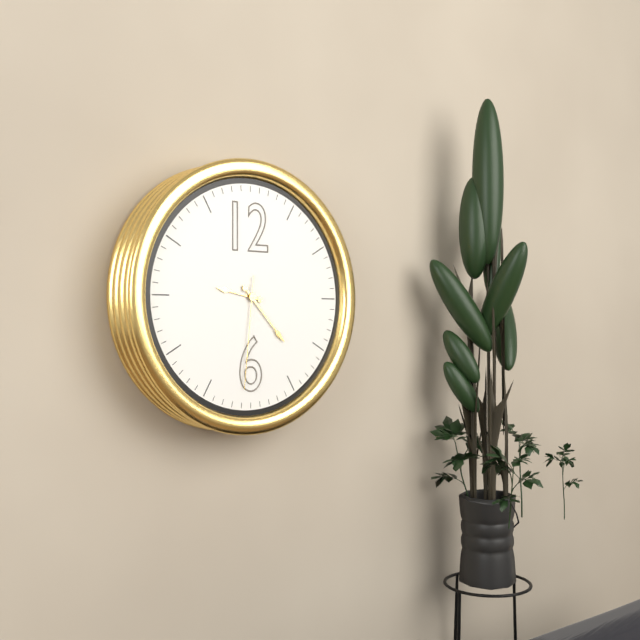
9:23:31
